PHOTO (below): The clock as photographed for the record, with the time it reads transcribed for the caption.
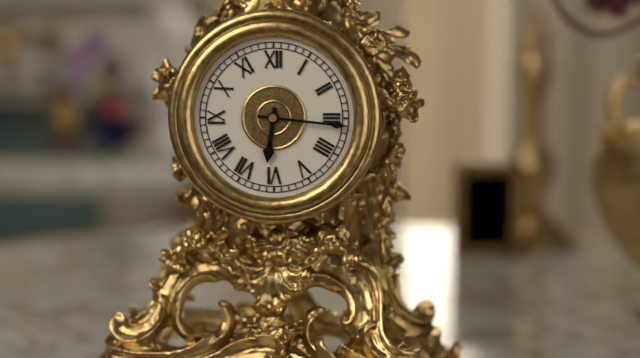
6:16
